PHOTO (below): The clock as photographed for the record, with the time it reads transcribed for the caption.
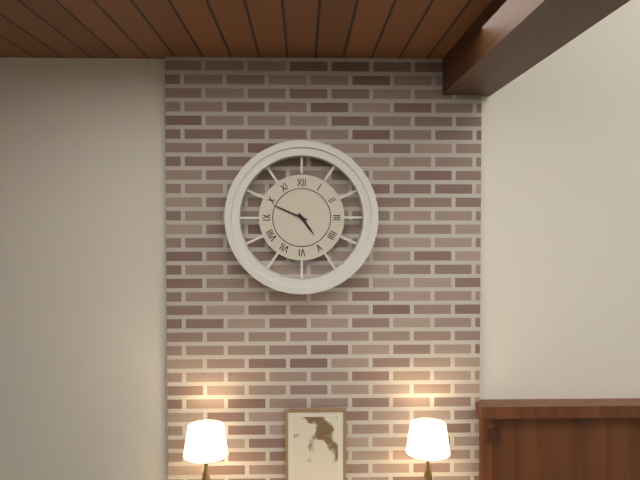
4:49
